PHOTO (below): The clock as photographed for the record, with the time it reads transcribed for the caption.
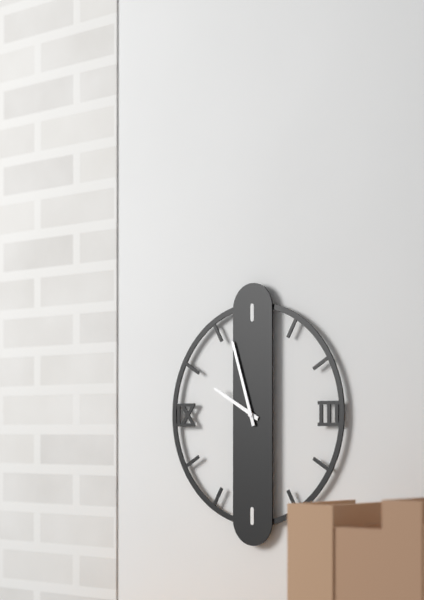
9:57
